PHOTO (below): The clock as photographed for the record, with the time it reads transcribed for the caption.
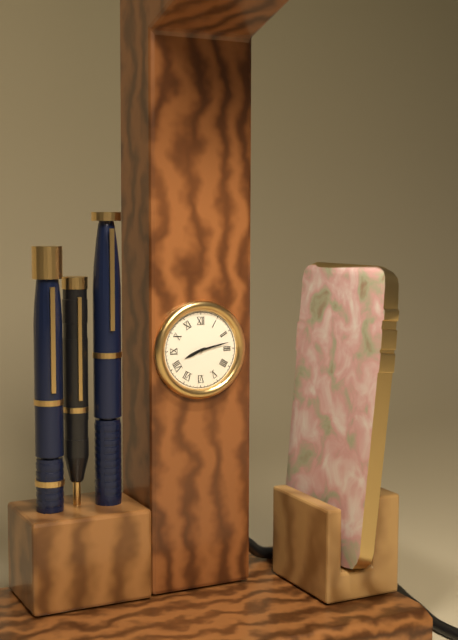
8:13
